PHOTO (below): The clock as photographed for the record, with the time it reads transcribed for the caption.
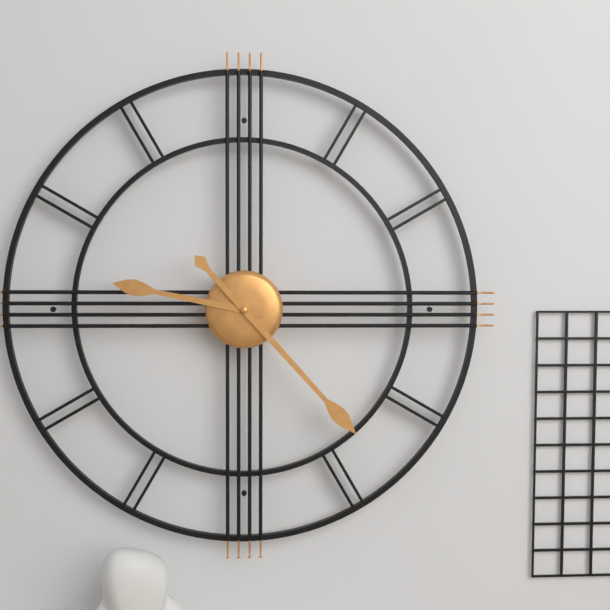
9:23
